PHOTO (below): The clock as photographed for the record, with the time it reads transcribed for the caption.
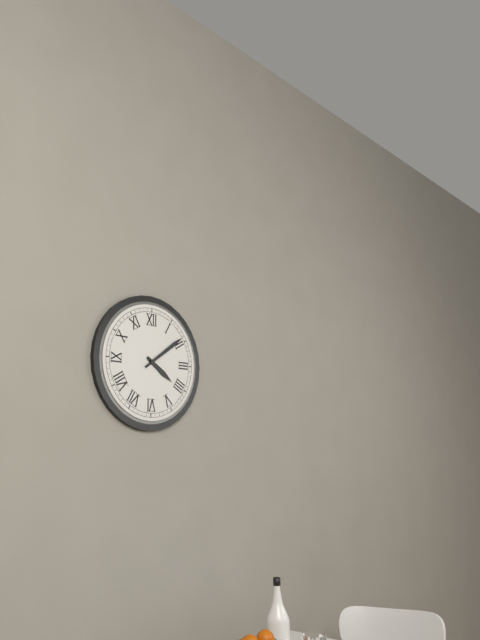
4:09
